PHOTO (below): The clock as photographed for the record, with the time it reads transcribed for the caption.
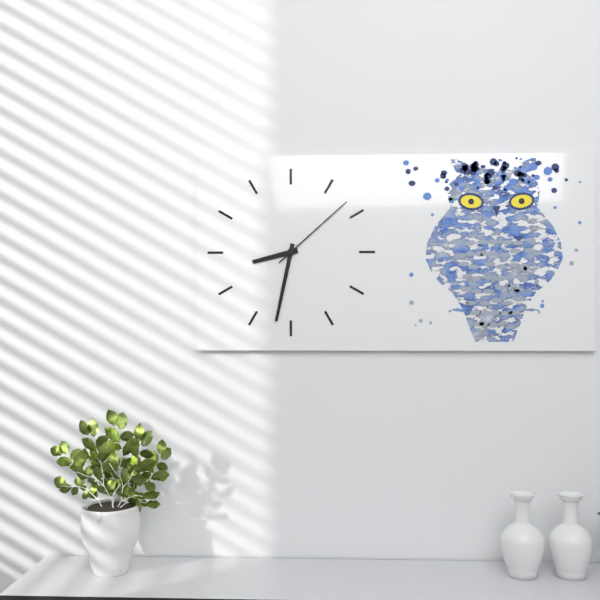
8:32:08
